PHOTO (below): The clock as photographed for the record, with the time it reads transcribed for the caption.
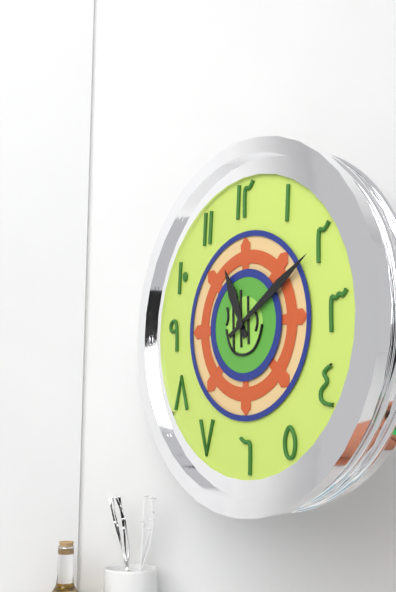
11:10
